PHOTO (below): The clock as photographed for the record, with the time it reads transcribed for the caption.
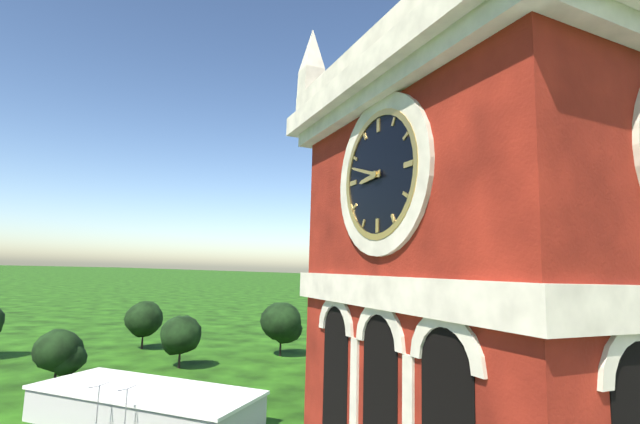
8:48
